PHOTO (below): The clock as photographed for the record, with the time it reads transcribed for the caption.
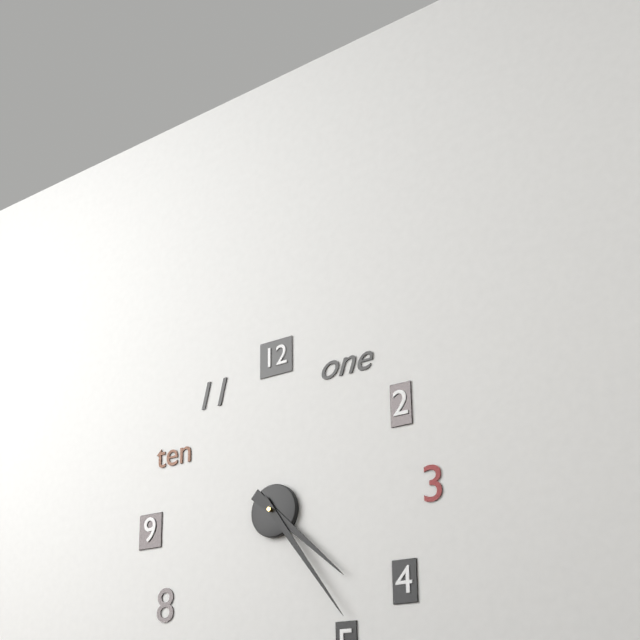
4:24
